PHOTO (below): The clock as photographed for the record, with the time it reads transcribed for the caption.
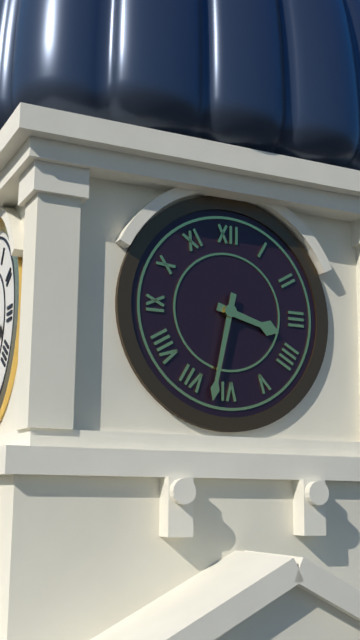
3:32
